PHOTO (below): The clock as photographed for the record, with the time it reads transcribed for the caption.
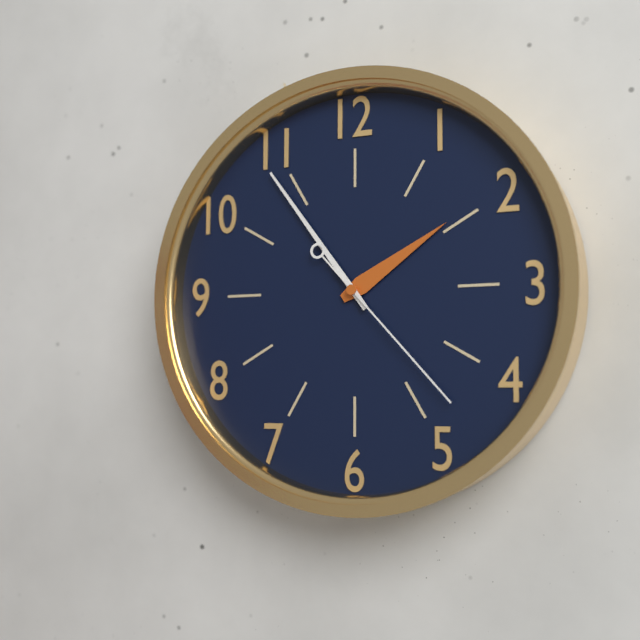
1:54:23
